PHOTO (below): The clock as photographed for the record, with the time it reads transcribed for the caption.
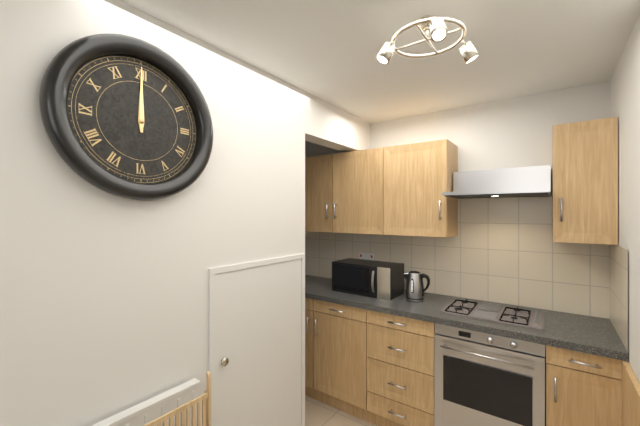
12:00
